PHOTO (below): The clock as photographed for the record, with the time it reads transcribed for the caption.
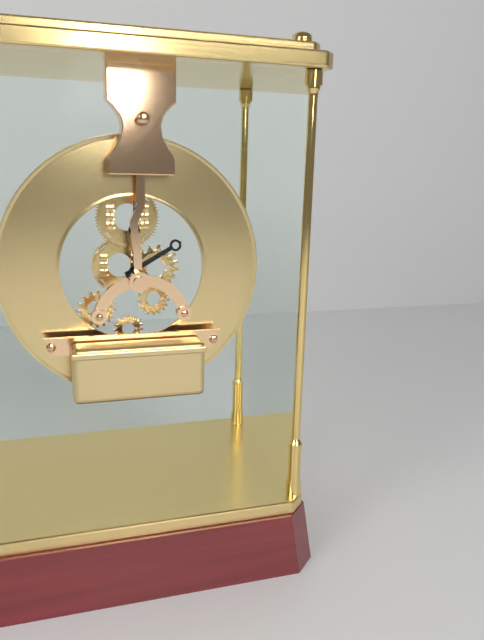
2:00
